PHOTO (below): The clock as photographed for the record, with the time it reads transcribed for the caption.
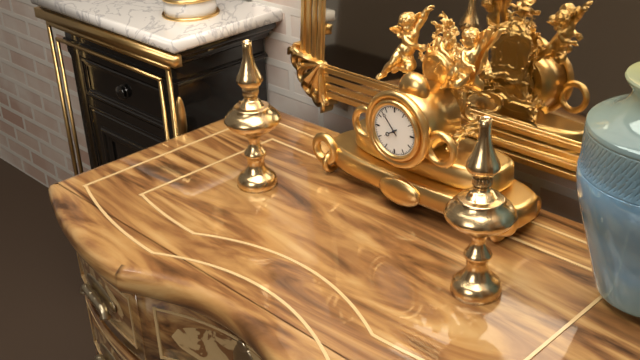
7:53
